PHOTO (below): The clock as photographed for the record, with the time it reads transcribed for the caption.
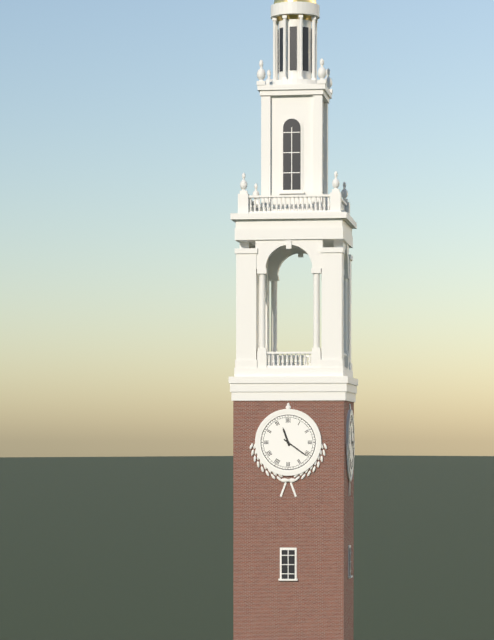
11:21
